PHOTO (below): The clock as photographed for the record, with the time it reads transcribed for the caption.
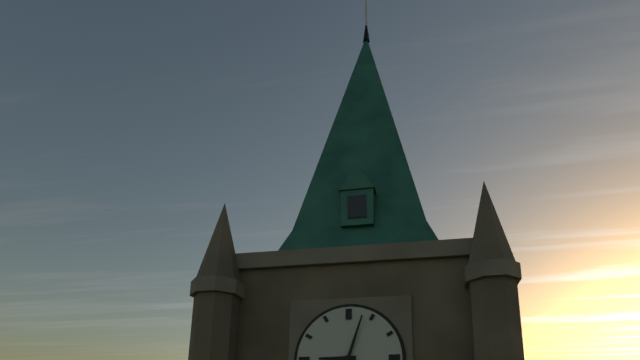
9:03
